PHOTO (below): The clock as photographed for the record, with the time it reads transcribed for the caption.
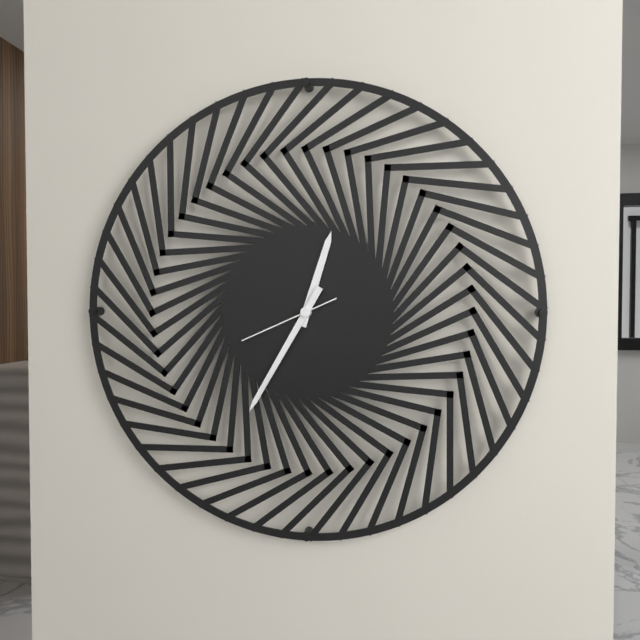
12:35:41
